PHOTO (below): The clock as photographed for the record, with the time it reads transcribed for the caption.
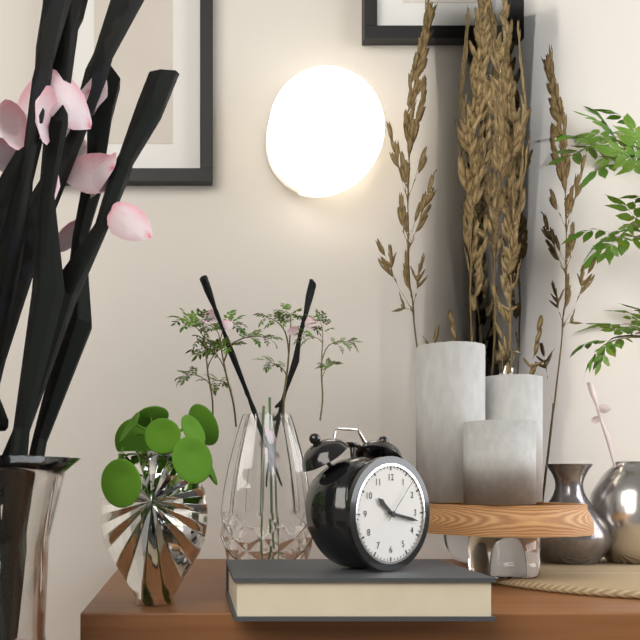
10:17
